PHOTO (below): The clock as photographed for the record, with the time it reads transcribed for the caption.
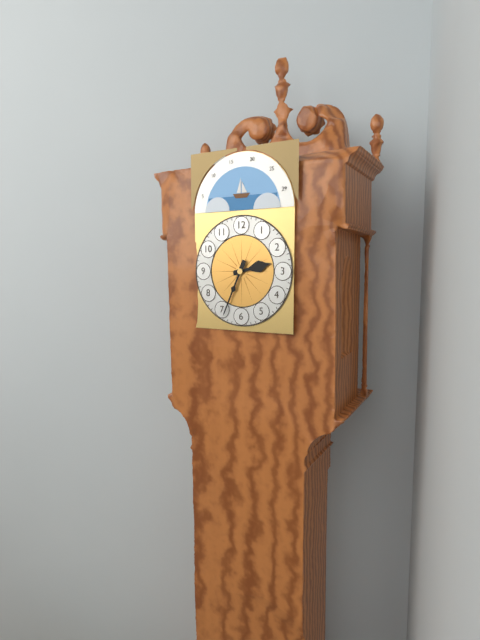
2:34
